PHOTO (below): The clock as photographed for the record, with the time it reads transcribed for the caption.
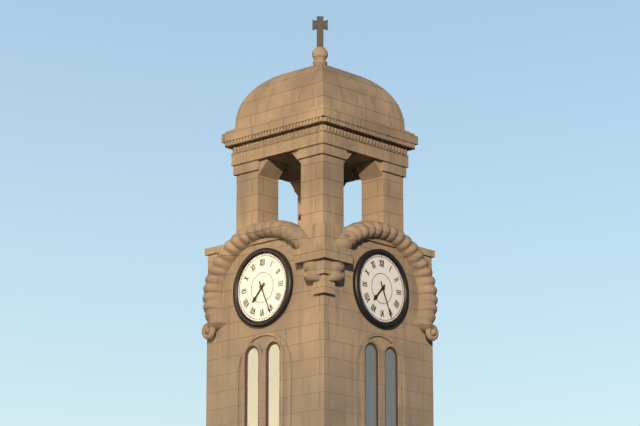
7:26
